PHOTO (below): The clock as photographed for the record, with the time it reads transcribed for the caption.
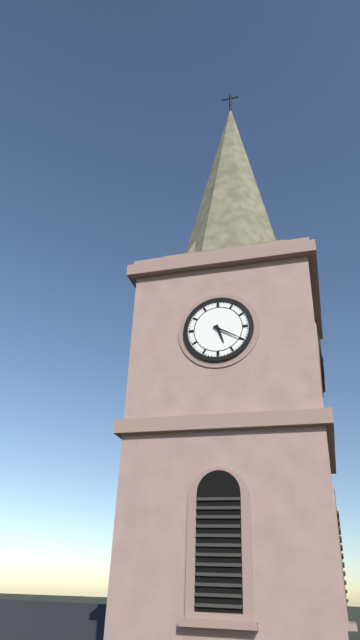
5:20
